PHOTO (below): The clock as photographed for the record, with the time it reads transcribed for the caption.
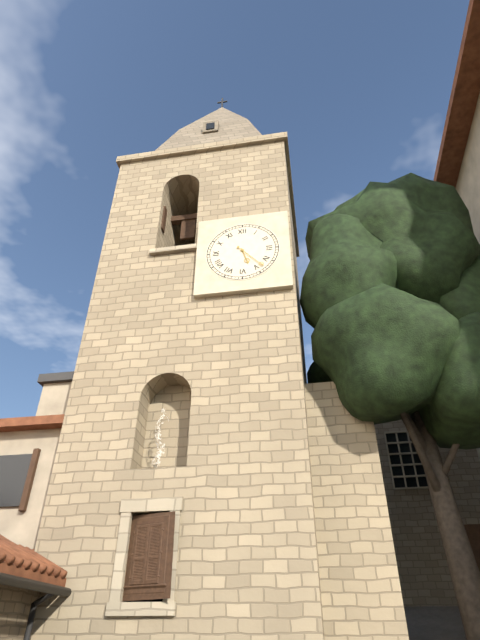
5:23
